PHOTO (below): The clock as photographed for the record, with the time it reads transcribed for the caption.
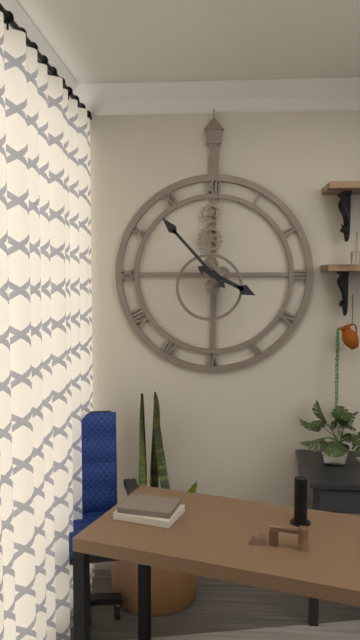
3:53
